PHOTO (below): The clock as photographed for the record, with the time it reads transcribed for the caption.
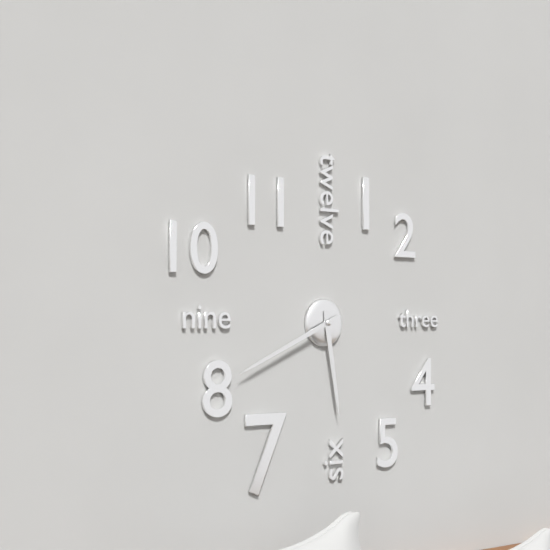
5:41
